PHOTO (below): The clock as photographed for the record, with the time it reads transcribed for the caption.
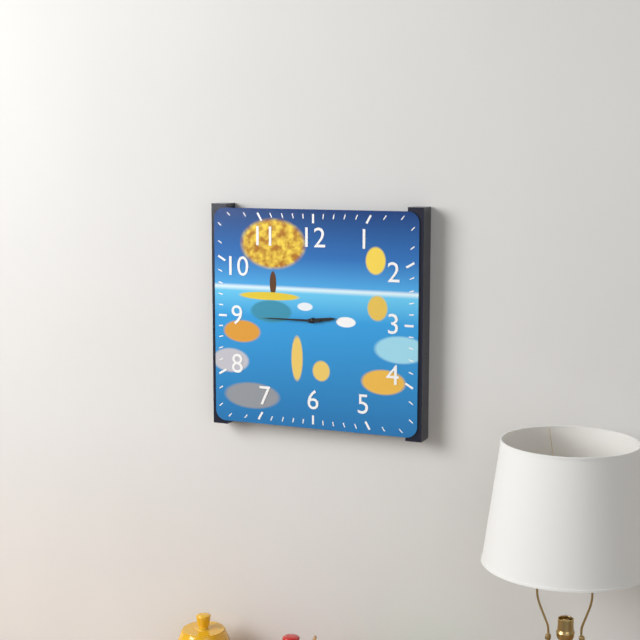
2:45
